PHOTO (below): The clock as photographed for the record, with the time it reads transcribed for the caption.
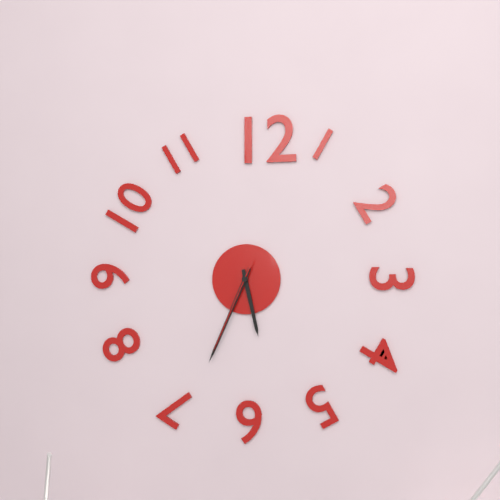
5:34:34
